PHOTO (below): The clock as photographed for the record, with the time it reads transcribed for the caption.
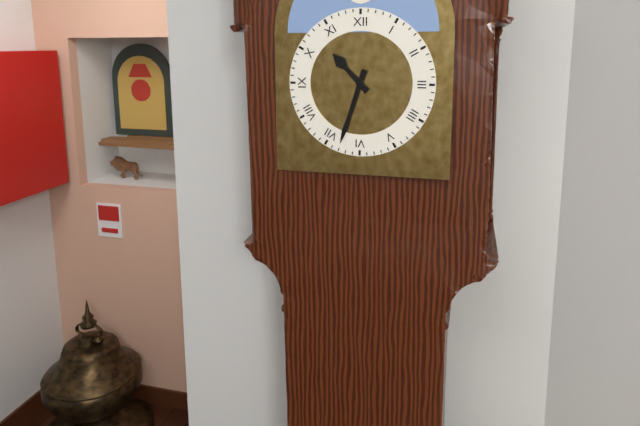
10:33
